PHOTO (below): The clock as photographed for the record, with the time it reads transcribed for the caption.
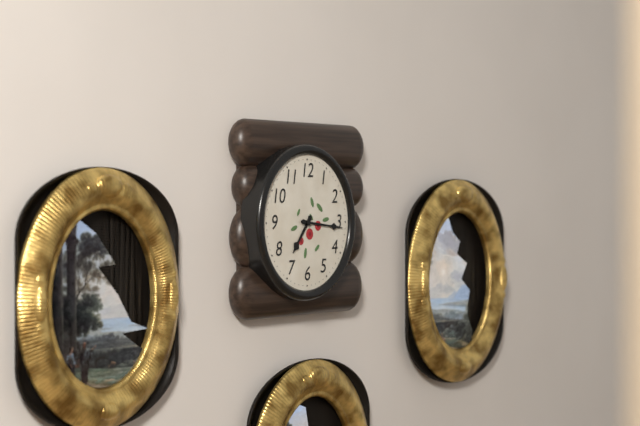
7:16
